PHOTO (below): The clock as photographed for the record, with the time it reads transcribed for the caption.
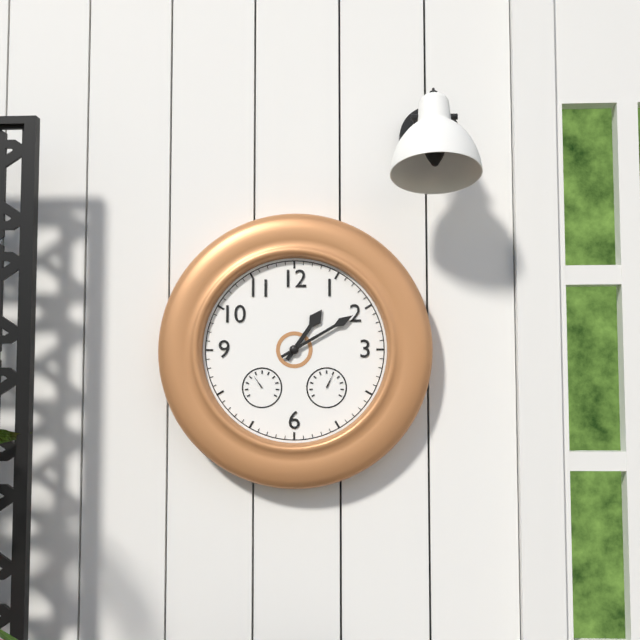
1:10
